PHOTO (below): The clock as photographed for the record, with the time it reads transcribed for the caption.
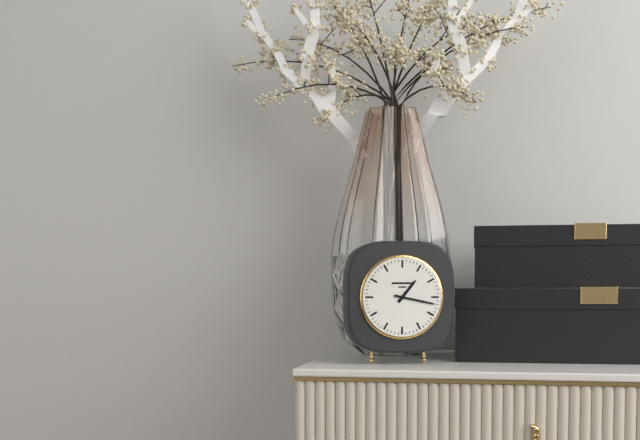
1:17
